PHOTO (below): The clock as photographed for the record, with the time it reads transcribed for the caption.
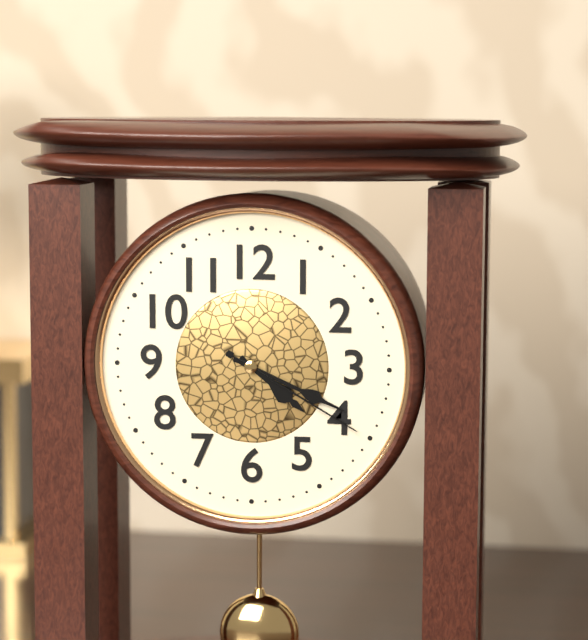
4:19:20
